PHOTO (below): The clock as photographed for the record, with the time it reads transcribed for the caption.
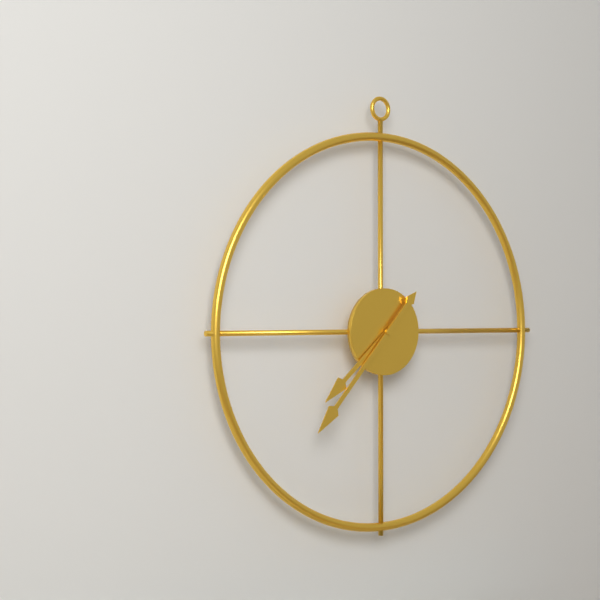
7:37
